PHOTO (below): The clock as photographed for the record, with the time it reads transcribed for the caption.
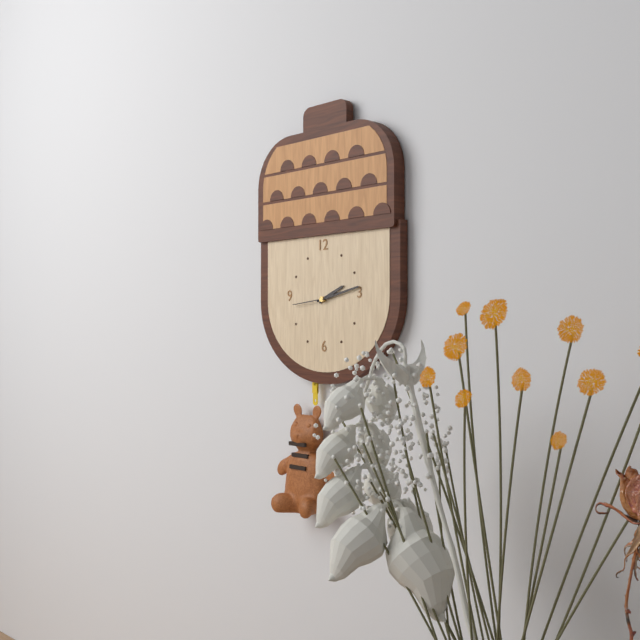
2:13:44
